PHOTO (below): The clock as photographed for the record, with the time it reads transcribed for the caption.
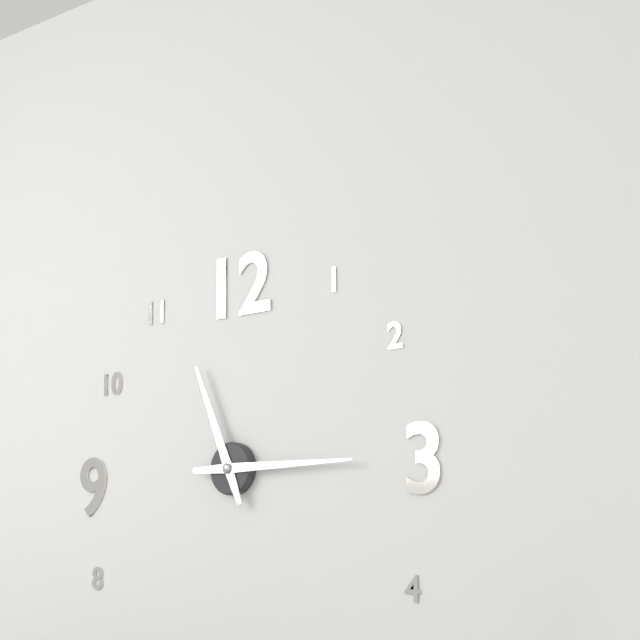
11:15
